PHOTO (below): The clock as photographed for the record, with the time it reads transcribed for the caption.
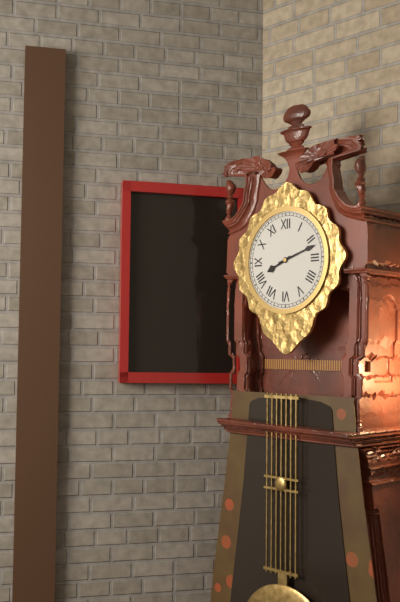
8:12
